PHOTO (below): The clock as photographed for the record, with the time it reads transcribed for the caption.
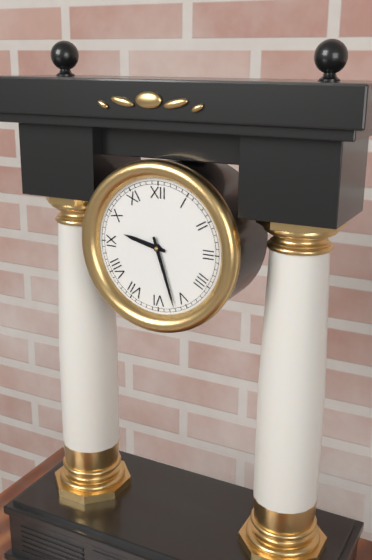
9:27
